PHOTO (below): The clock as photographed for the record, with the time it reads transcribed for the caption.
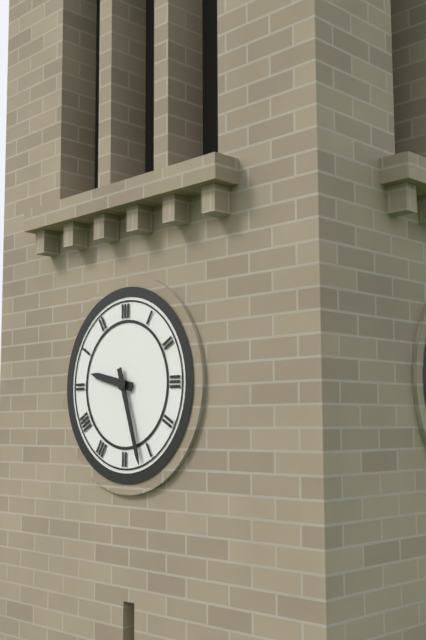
9:27
